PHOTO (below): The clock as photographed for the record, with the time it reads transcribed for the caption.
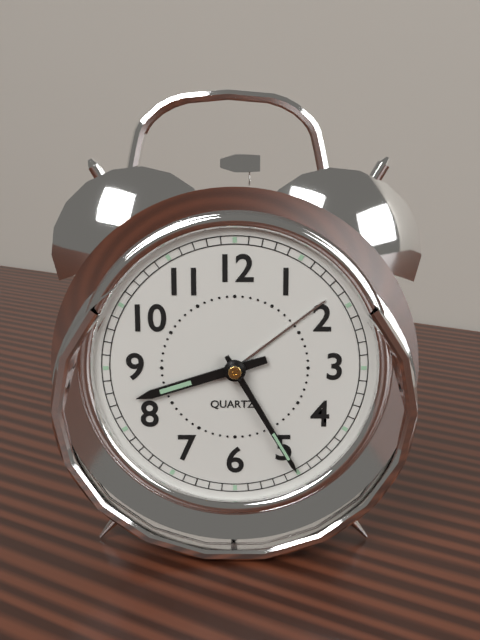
8:25
